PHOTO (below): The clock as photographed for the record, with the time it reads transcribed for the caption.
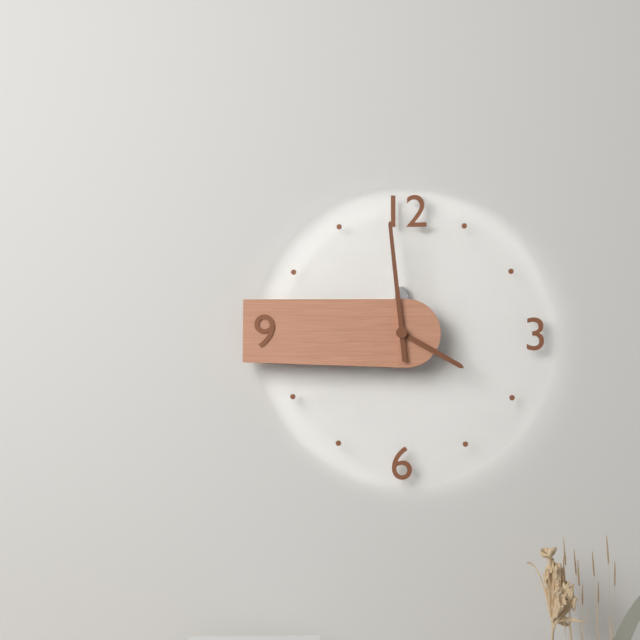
3:59
